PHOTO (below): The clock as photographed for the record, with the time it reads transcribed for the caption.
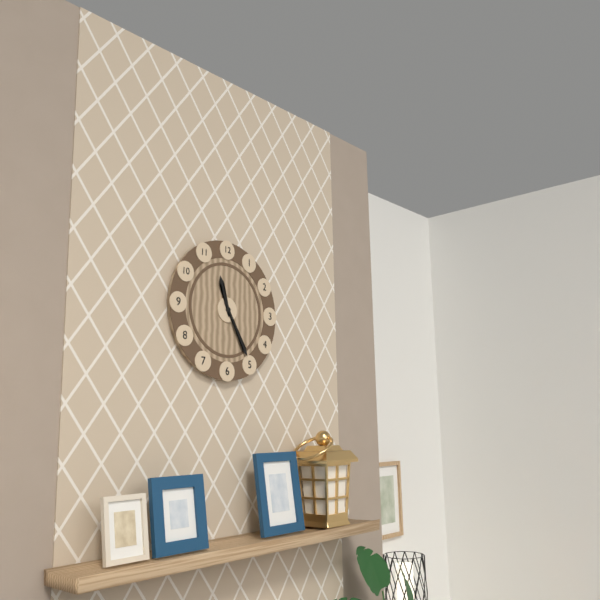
11:25
